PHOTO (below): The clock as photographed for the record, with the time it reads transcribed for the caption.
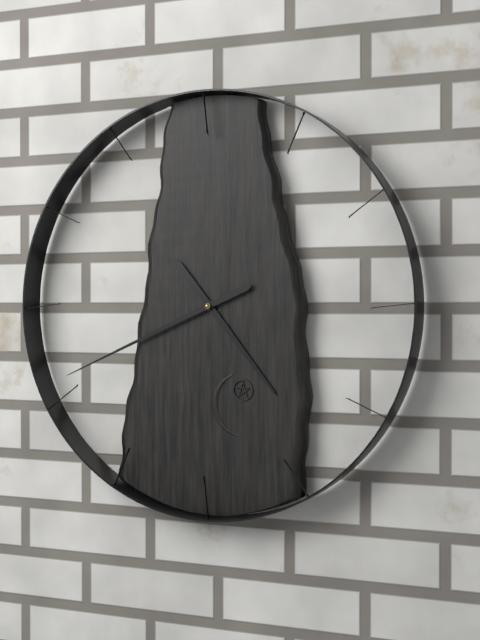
4:41
